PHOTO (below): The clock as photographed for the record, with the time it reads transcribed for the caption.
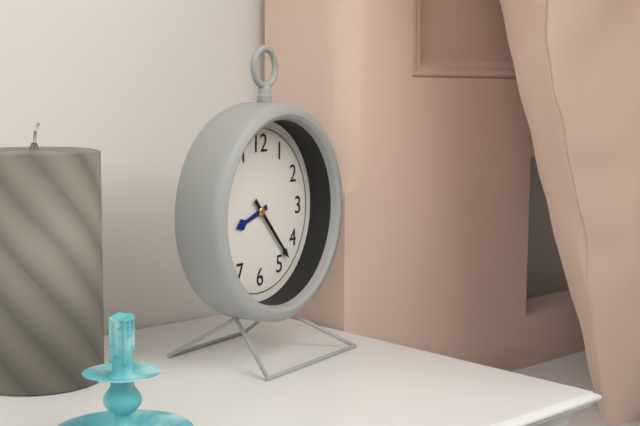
8:23
